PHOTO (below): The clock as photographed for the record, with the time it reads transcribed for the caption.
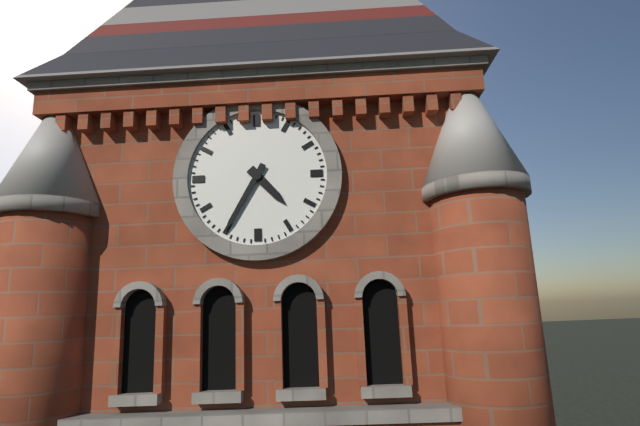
4:35
